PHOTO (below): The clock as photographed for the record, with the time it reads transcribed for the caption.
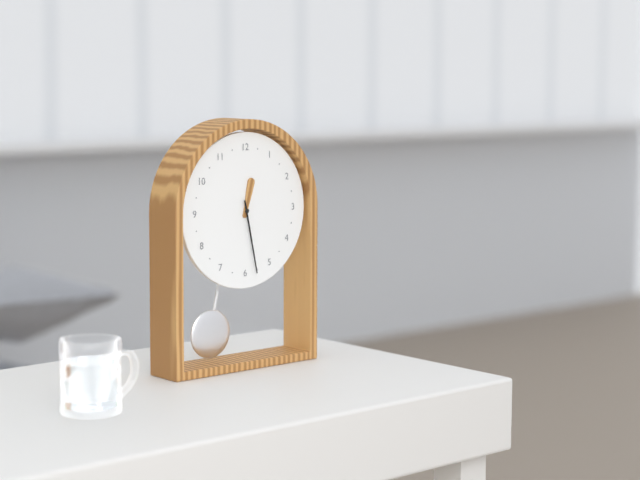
12:28
